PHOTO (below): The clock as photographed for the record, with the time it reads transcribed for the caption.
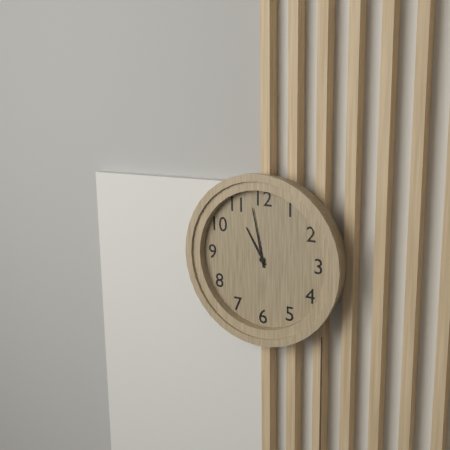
10:58
